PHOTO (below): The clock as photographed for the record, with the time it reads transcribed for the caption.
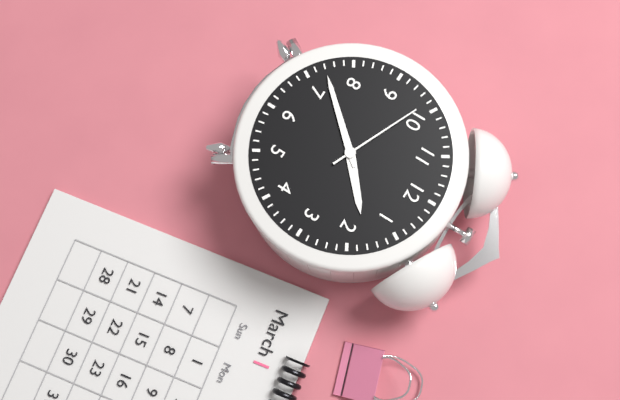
1:37:49
